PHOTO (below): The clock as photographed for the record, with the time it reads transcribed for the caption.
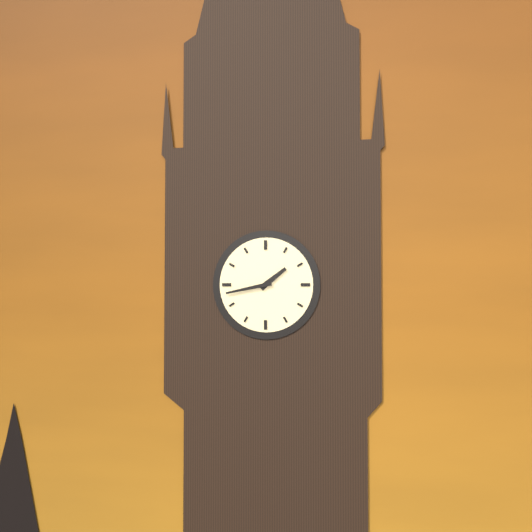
1:43
